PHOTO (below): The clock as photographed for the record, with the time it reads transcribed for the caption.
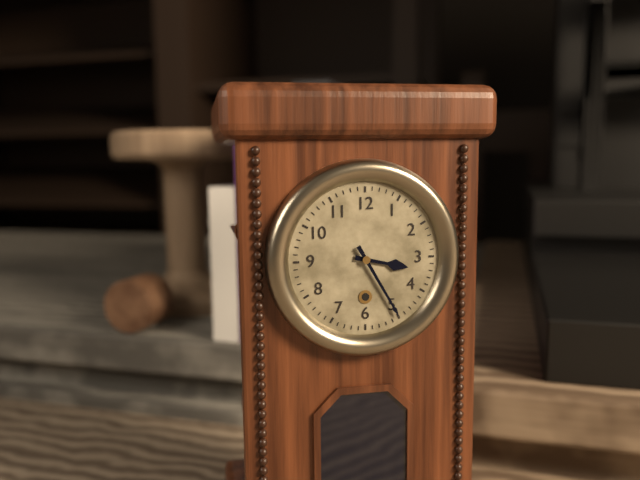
3:25
